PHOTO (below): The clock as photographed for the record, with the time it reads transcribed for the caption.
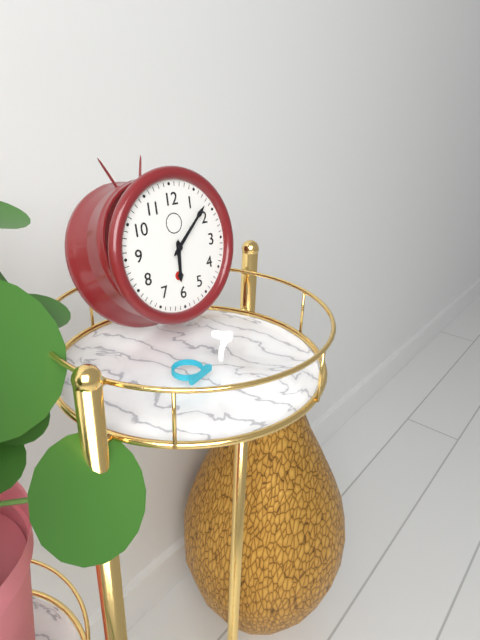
6:08
